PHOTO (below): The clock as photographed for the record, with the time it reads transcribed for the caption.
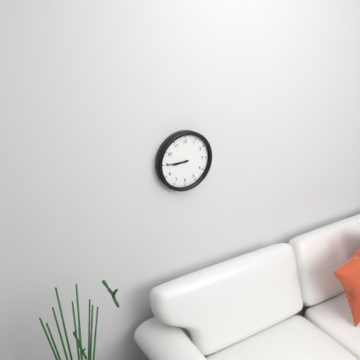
8:45
